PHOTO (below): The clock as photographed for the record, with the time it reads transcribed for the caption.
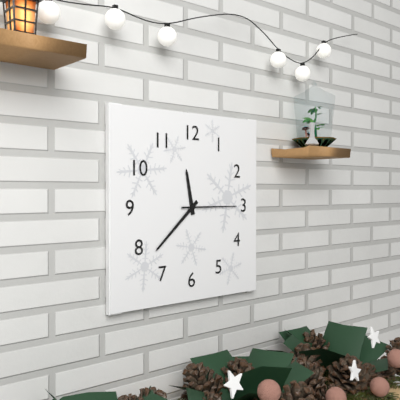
11:38:15
